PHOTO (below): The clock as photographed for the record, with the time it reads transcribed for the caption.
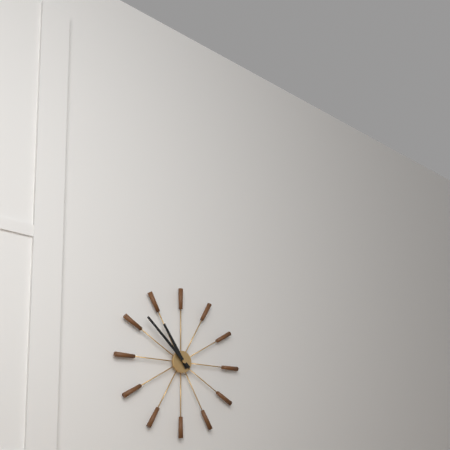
10:52
